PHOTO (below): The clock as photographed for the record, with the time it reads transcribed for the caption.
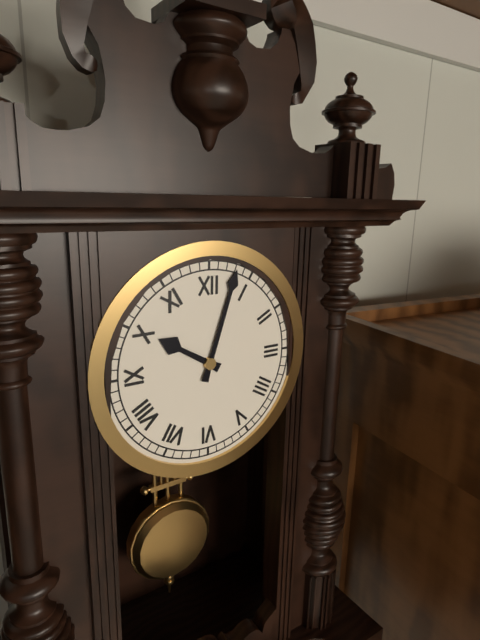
10:03
